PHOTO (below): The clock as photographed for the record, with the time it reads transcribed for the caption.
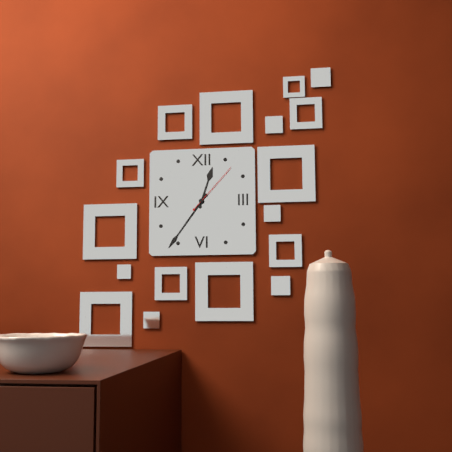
12:36:07
